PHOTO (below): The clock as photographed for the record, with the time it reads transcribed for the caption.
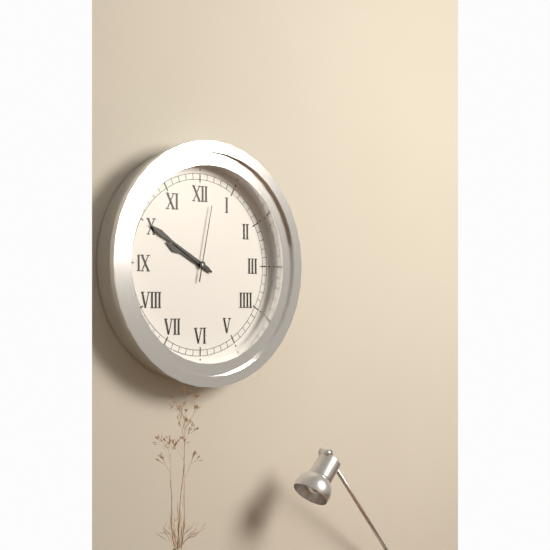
9:50:02
